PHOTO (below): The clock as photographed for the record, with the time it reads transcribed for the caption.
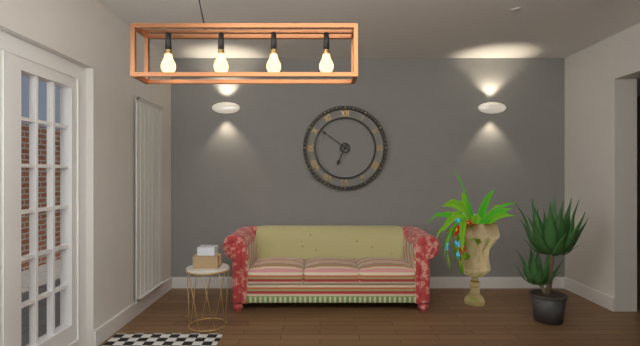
6:51
